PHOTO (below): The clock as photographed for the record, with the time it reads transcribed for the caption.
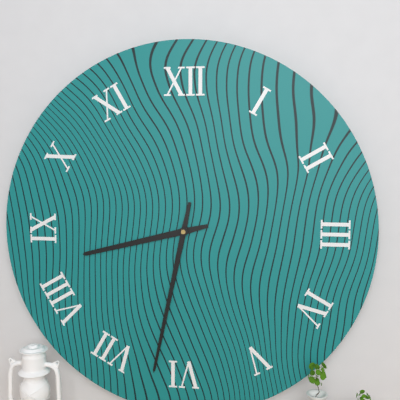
8:32
